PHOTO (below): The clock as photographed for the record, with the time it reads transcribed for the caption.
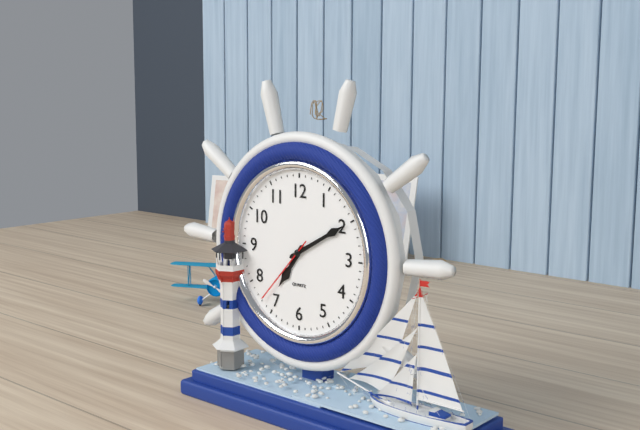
7:10:37
